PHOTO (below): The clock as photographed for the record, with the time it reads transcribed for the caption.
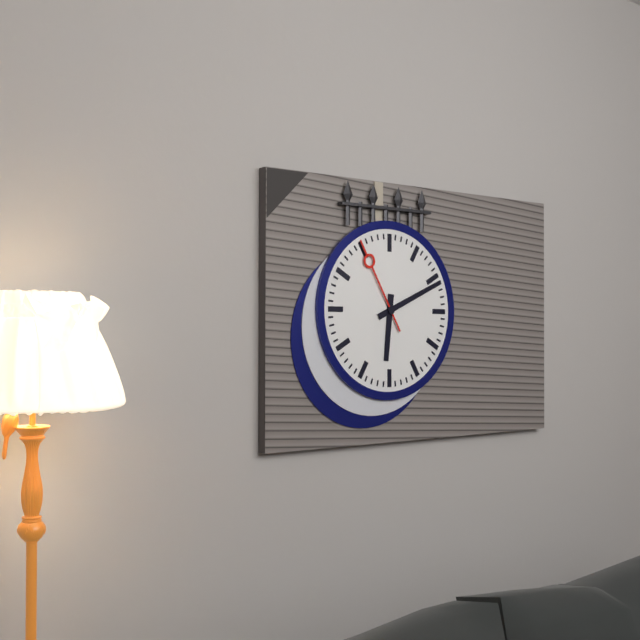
6:11:55
